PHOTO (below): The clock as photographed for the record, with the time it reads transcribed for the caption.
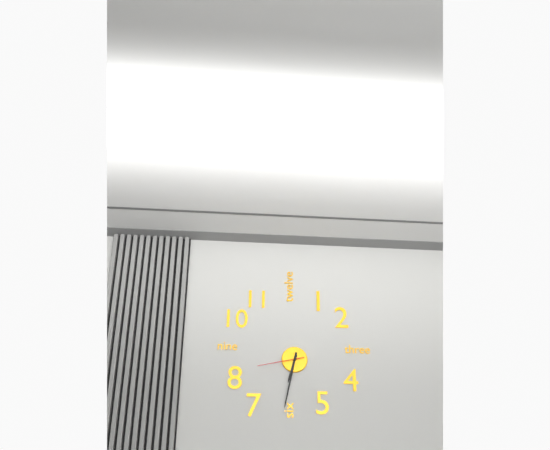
6:32
